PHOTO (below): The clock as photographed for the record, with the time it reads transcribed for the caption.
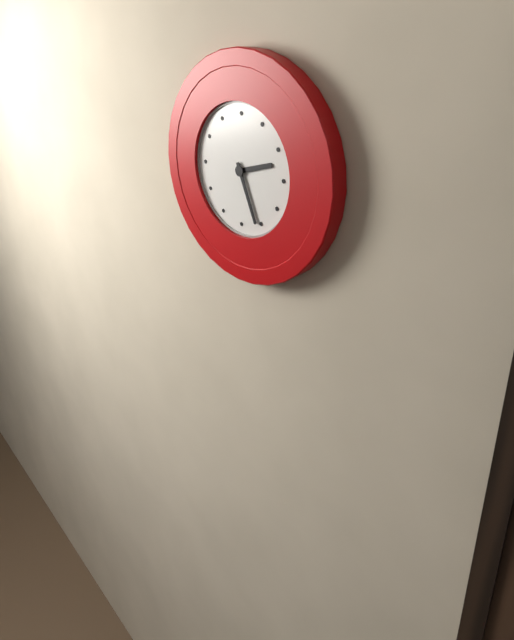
2:26
